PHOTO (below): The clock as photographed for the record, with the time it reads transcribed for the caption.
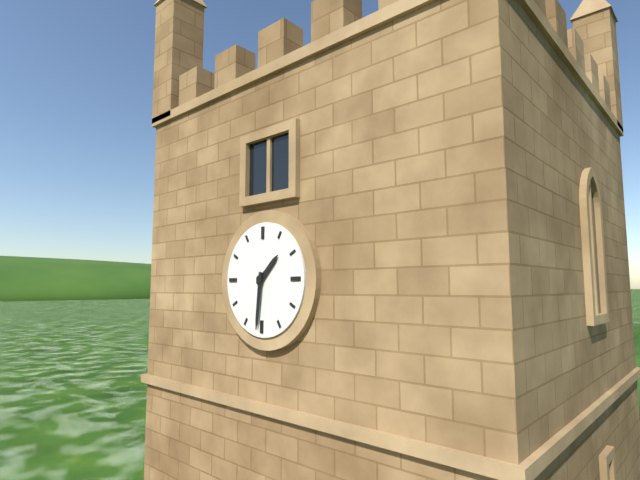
1:31
